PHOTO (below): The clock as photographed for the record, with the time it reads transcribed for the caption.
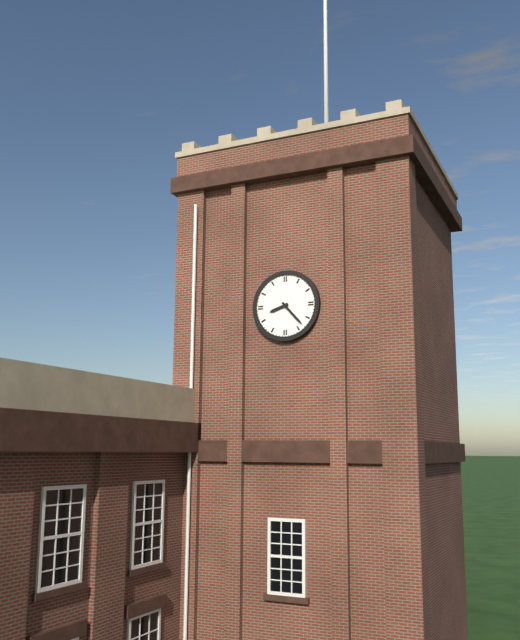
8:23
